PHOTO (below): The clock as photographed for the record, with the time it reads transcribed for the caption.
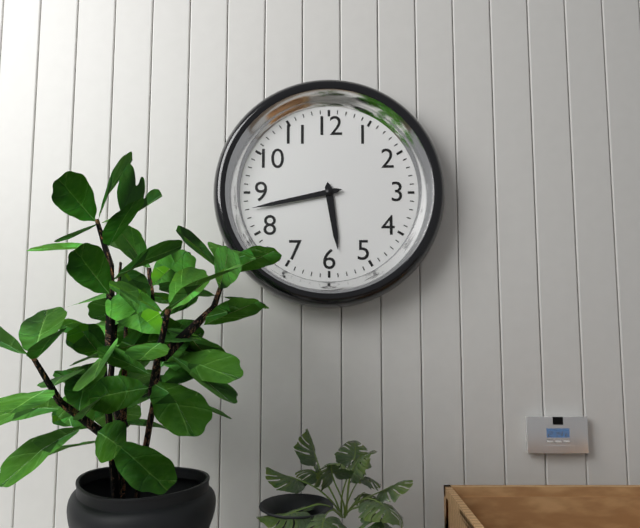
5:43
